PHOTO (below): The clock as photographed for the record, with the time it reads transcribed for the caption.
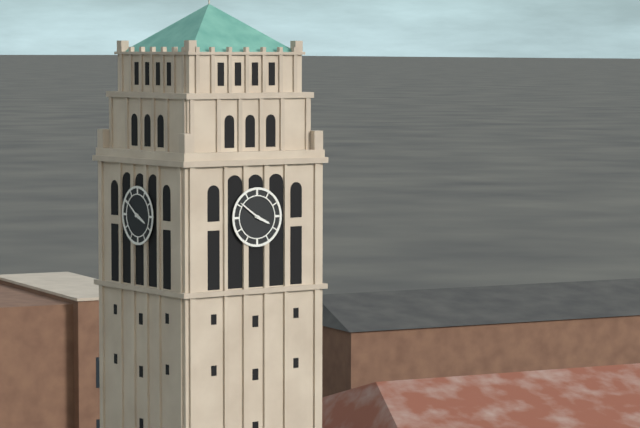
3:51
